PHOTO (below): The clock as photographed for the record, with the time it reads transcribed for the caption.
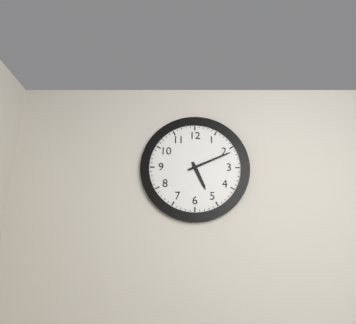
5:11
